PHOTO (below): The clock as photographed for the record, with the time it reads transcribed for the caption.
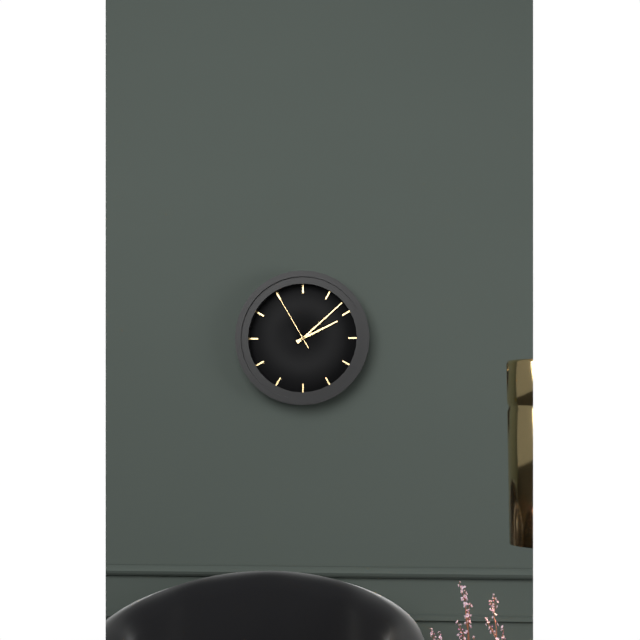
2:08:55
